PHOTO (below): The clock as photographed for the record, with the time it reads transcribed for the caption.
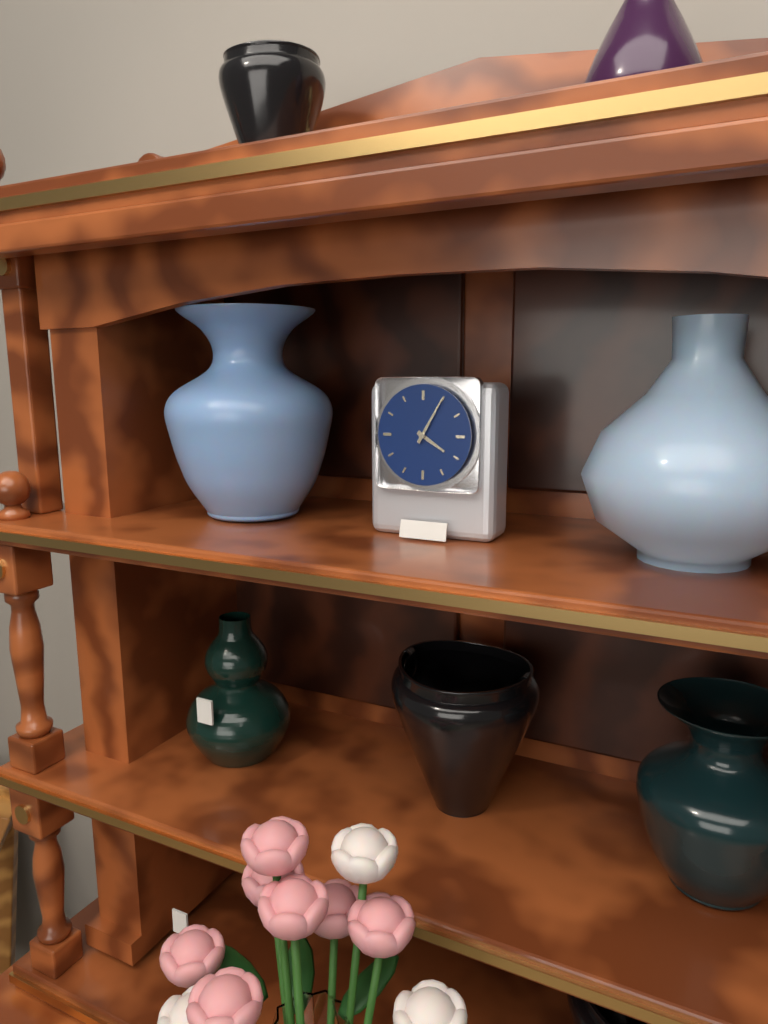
4:05
